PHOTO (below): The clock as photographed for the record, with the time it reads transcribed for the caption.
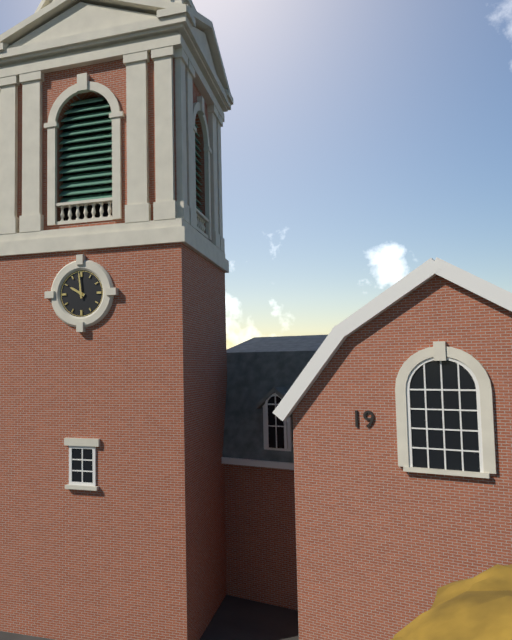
9:59
